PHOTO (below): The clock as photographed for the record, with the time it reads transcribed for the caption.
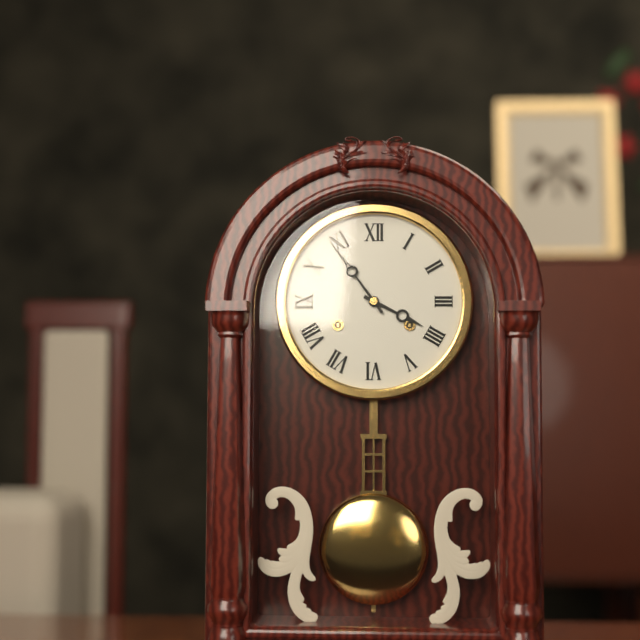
3:54
